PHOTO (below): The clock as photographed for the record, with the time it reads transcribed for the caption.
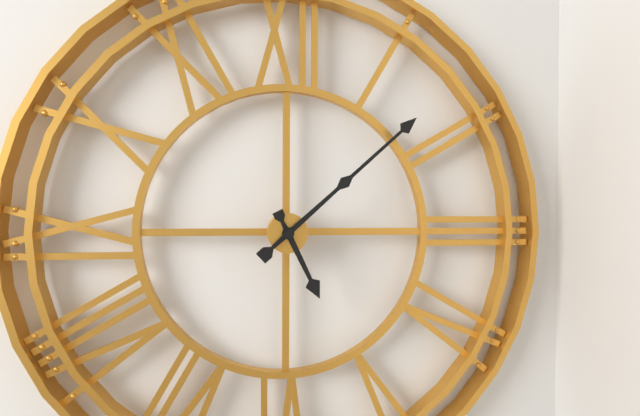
5:08
